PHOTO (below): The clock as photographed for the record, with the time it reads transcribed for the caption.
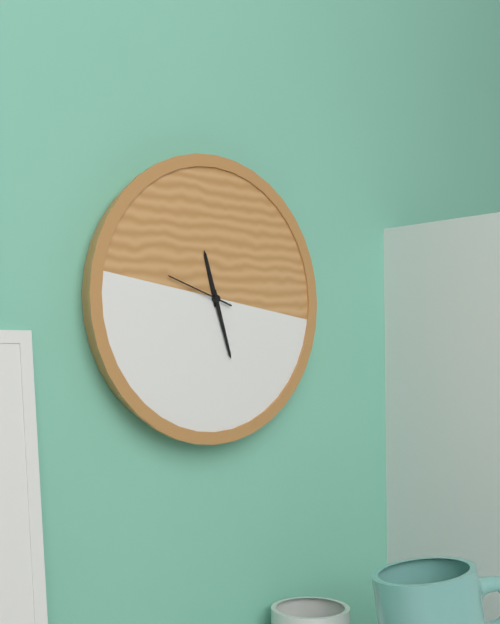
11:27:48
